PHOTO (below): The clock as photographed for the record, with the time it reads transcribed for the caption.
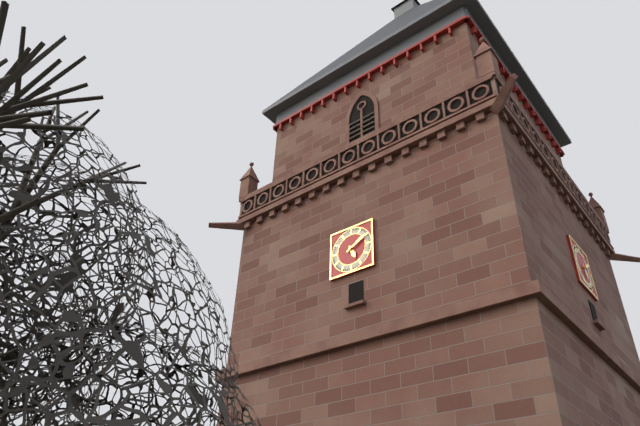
5:10
